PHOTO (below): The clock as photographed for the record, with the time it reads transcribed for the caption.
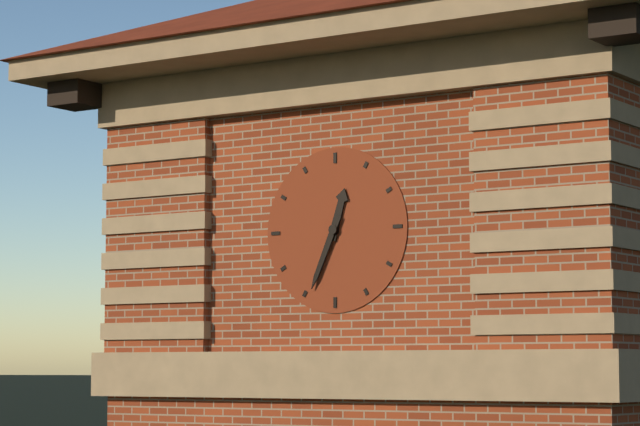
12:34
